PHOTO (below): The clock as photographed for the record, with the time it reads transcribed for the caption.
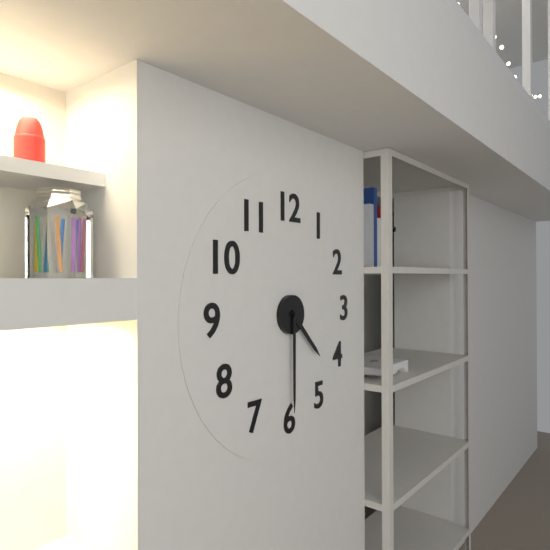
4:30
